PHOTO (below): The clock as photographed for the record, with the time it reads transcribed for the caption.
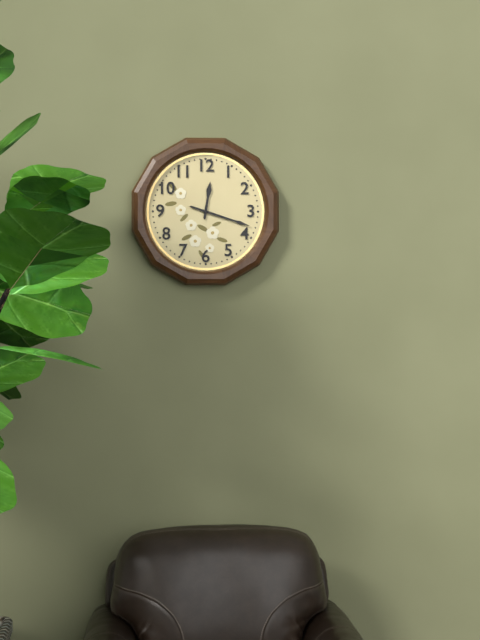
12:18
